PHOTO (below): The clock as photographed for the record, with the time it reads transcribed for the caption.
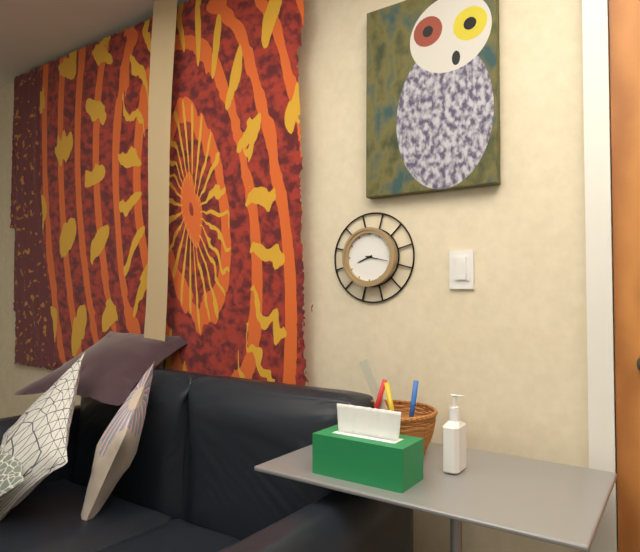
8:17
